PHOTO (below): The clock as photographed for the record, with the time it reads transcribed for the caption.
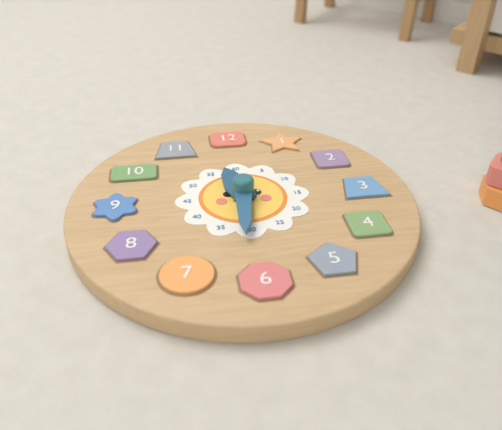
11:31
